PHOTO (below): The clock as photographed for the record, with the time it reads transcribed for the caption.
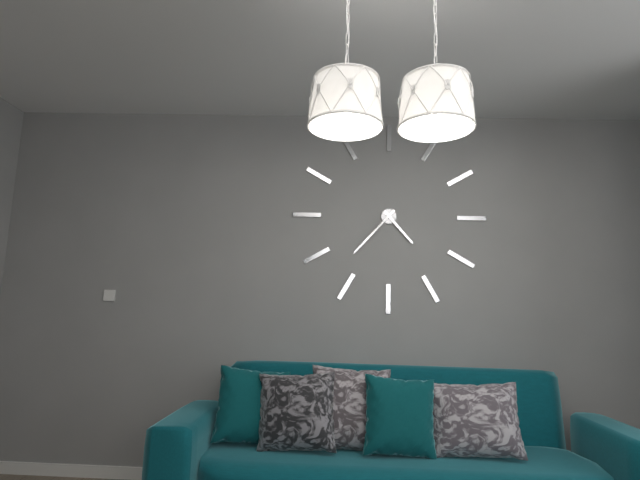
4:37
